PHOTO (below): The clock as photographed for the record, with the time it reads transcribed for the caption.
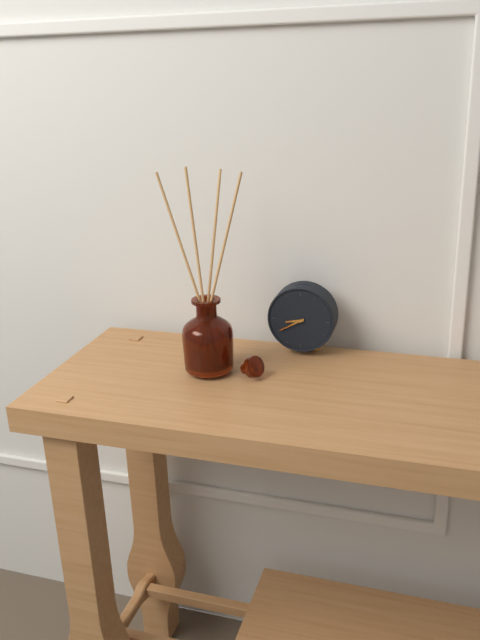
8:40
